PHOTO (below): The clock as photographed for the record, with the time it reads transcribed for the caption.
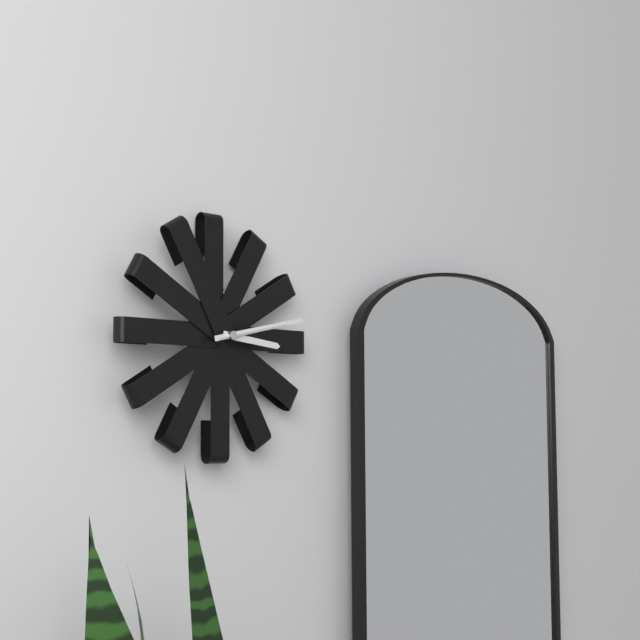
3:13:13
